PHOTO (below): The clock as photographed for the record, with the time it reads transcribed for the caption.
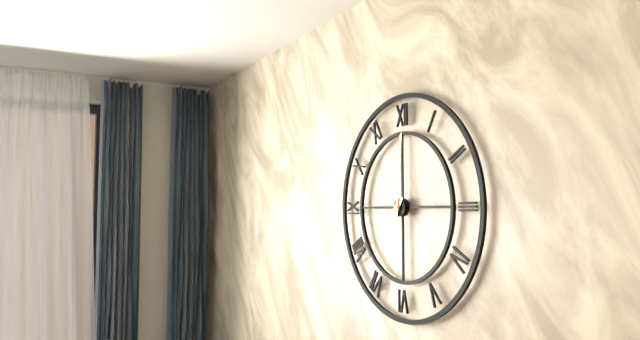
7:01
